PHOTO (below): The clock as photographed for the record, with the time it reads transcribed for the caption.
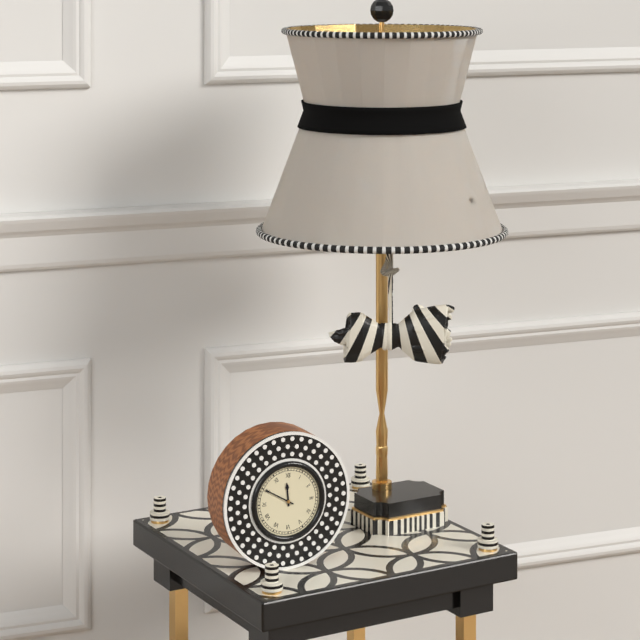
11:50
